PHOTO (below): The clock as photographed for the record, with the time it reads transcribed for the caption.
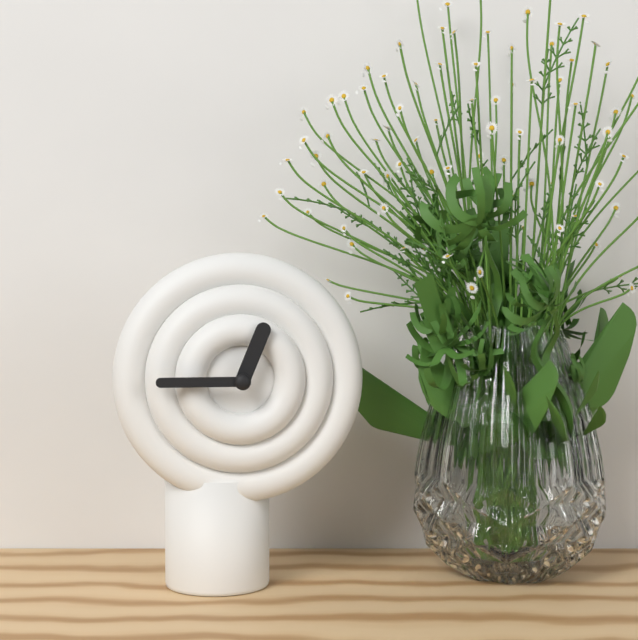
12:45
